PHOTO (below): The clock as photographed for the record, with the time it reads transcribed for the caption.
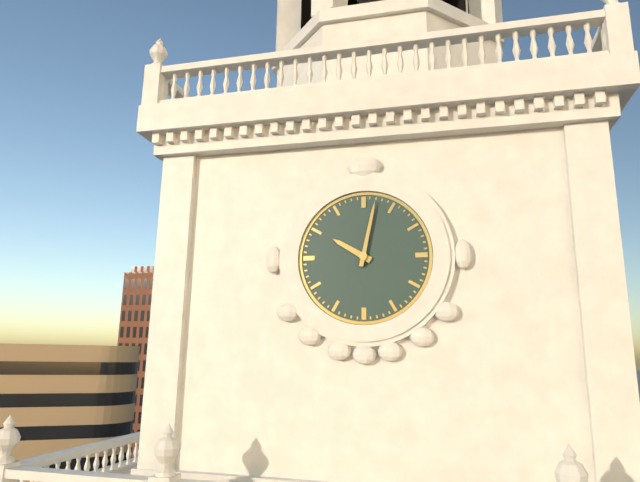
10:02
